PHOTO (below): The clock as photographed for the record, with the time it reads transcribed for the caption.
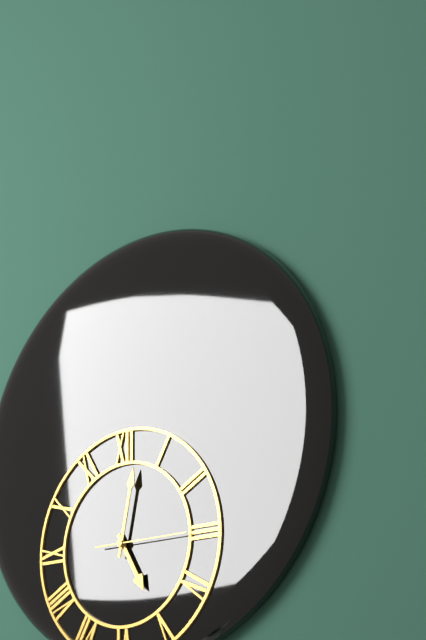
5:02:15
